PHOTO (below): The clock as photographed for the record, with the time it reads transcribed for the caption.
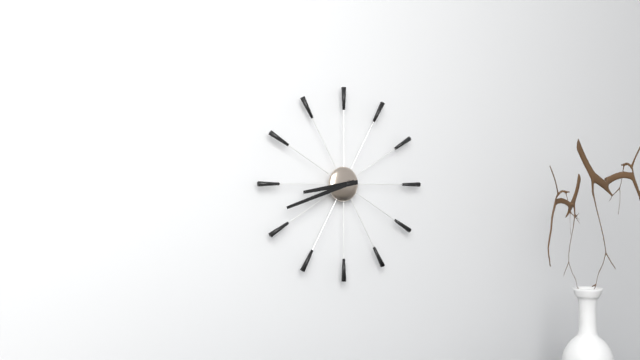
8:42
